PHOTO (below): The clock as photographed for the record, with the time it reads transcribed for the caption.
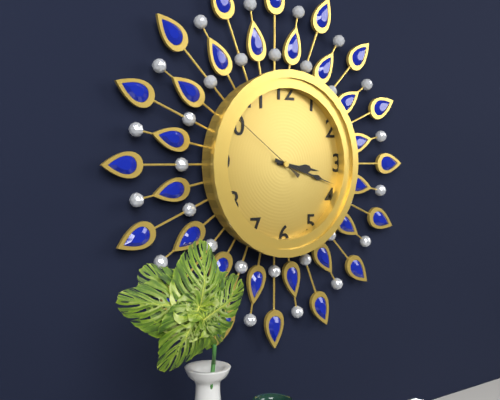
3:18:51
